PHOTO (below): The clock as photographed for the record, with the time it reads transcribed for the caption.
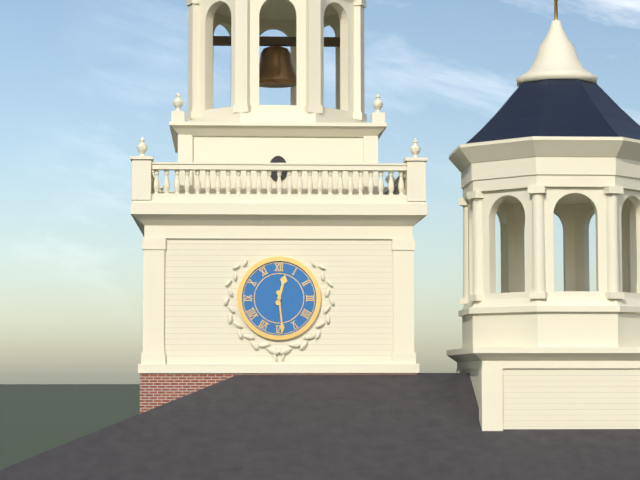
12:29
